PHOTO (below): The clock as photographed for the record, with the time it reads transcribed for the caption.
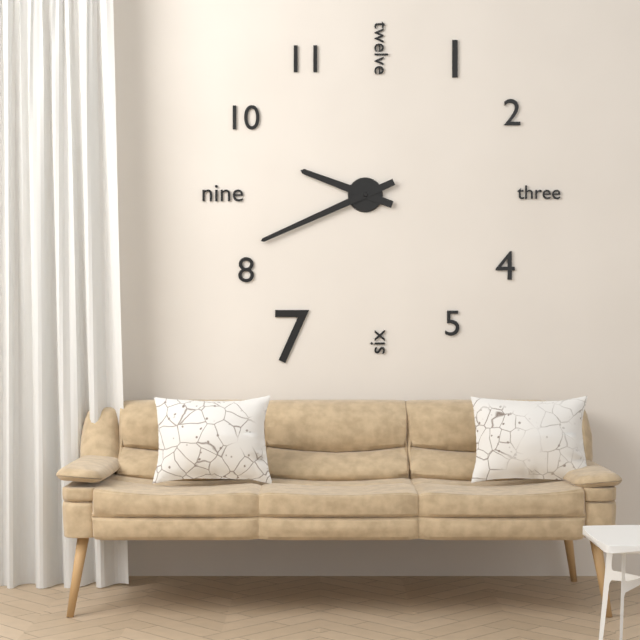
9:41
